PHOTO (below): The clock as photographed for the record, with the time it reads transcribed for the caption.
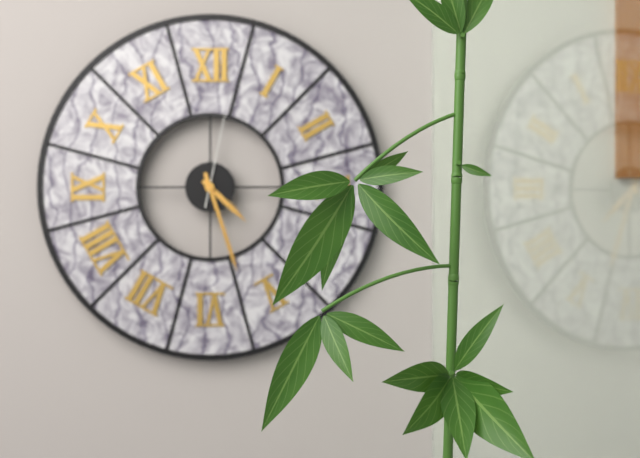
4:27:02
